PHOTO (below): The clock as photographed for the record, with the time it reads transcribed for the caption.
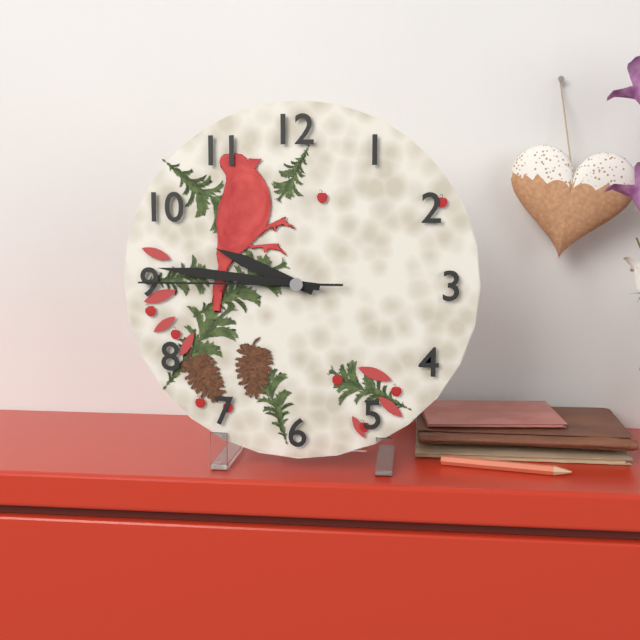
9:46:45
